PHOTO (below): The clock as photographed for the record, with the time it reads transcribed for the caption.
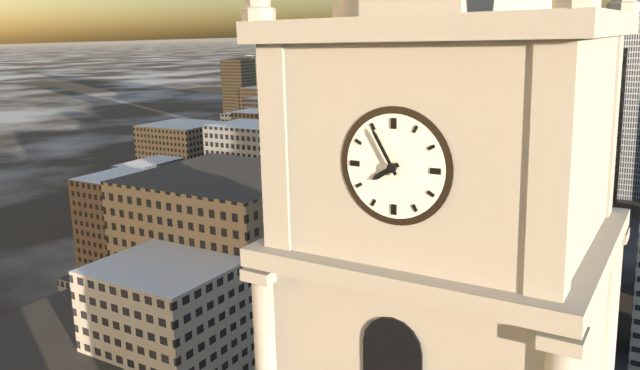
7:55
